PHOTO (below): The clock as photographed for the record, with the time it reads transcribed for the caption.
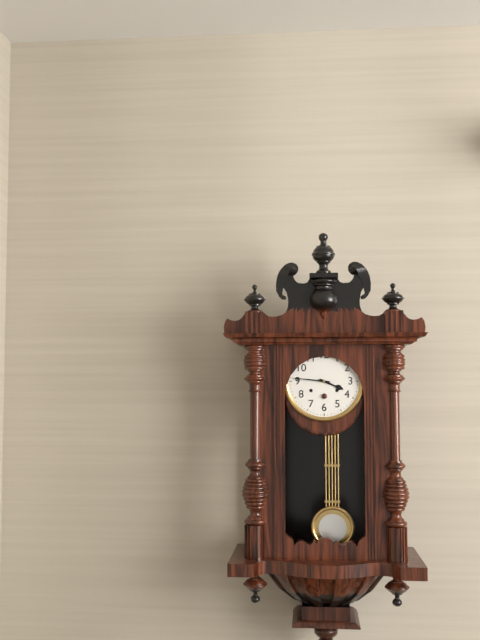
3:46
